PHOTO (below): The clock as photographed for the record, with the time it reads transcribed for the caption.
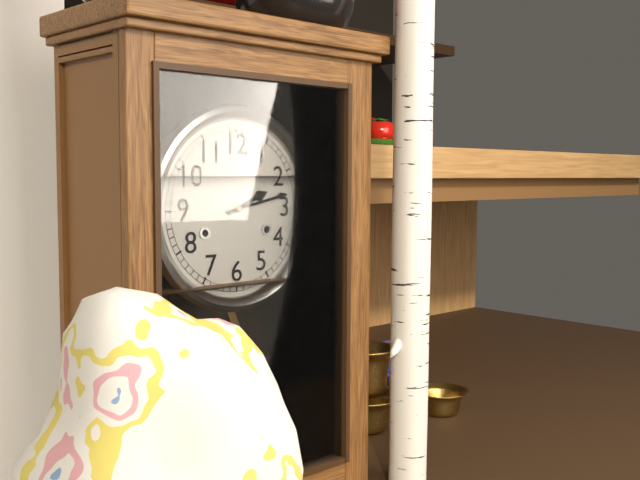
2:13
